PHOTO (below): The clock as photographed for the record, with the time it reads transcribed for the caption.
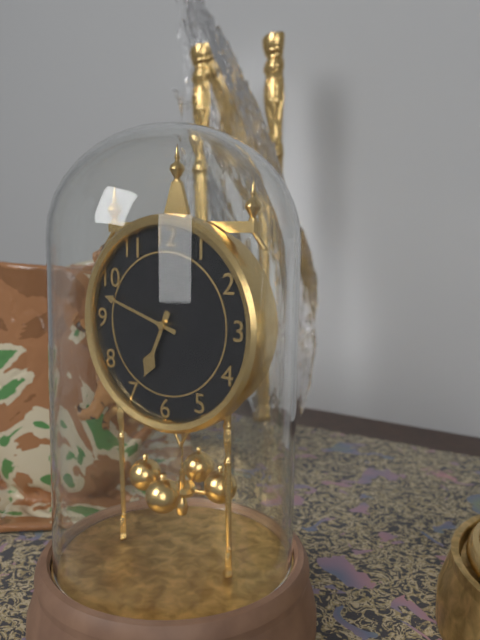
6:48
